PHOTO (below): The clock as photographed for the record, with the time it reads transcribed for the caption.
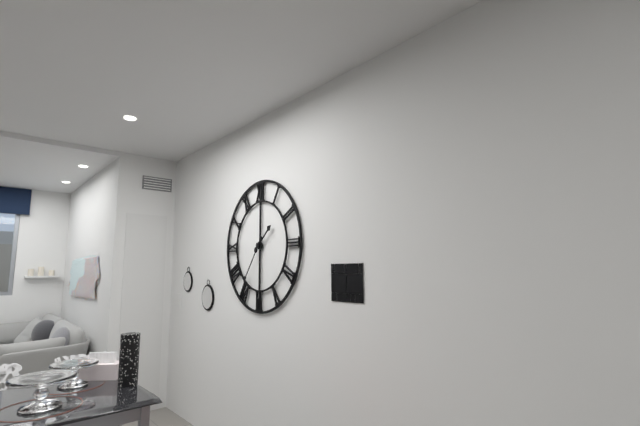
1:36
